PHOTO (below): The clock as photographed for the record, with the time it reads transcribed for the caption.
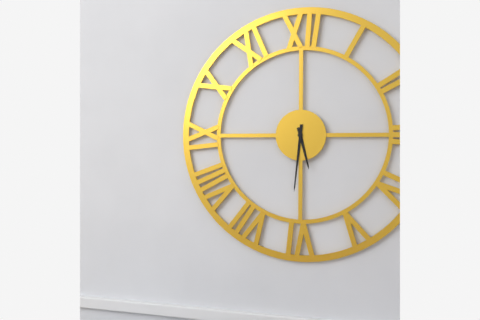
5:31
